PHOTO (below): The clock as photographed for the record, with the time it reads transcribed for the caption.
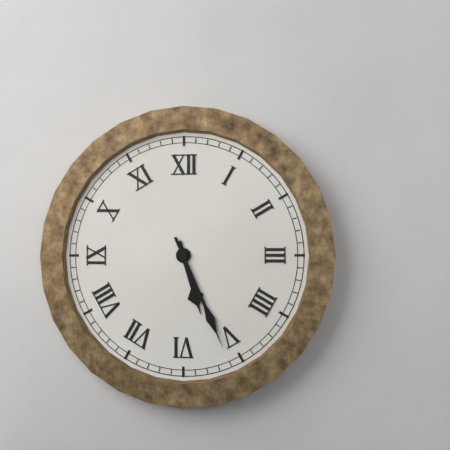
5:26
